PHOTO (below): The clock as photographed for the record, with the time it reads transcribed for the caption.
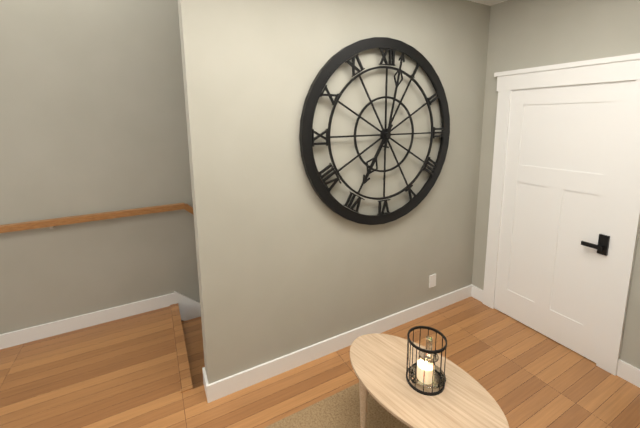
7:02
